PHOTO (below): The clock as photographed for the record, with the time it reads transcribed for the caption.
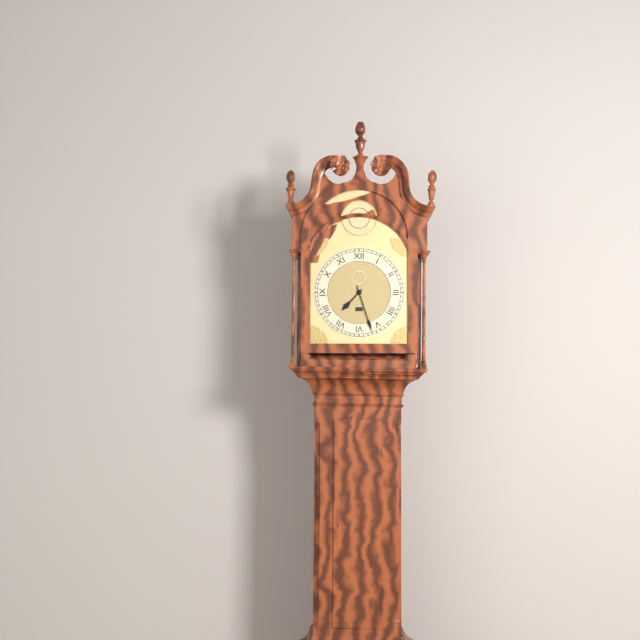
7:27
